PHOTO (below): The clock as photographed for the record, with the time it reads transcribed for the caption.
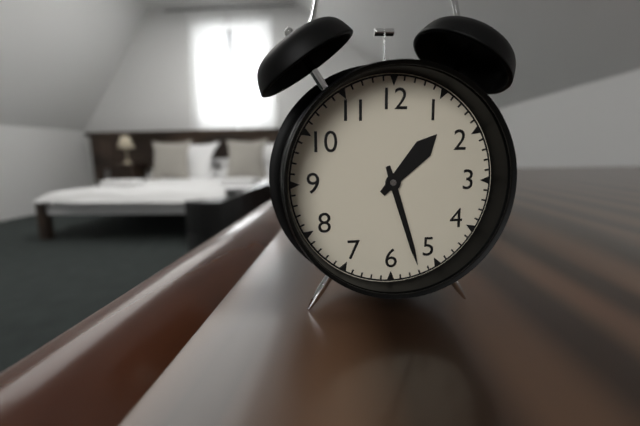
1:27
